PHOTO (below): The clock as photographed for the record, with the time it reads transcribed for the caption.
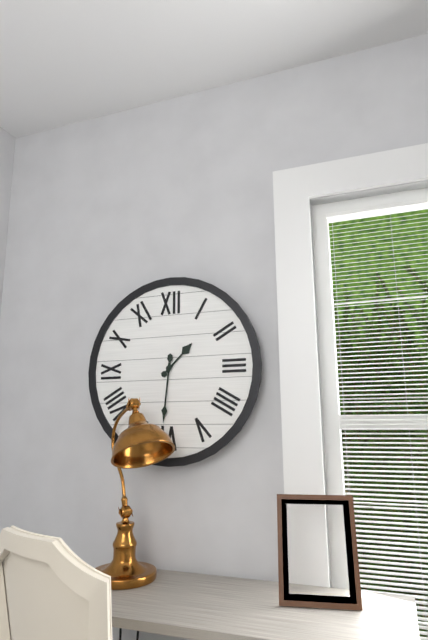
1:31
